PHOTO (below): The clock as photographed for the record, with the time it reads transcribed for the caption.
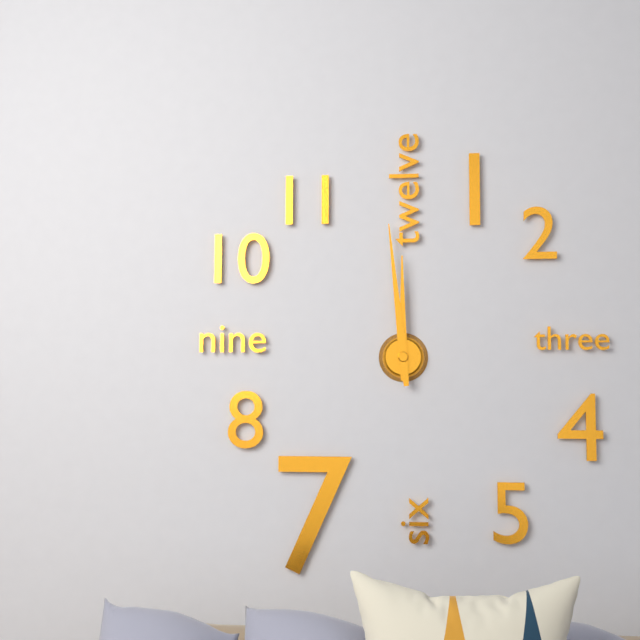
11:59
